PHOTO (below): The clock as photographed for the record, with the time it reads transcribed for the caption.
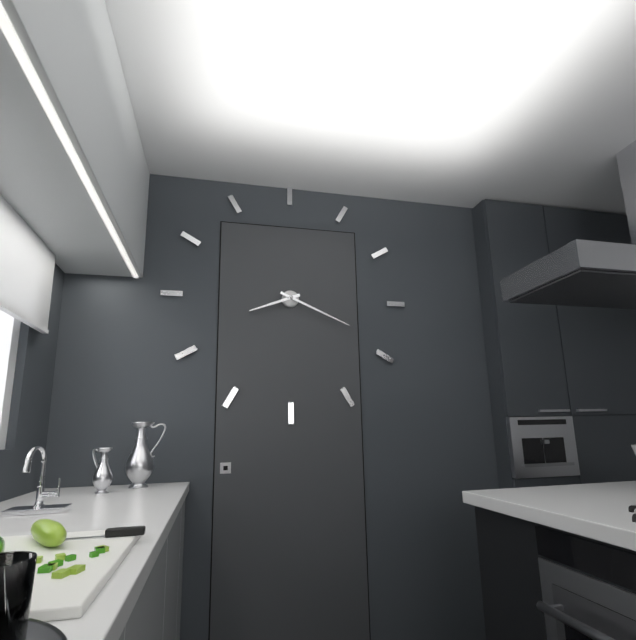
8:19
